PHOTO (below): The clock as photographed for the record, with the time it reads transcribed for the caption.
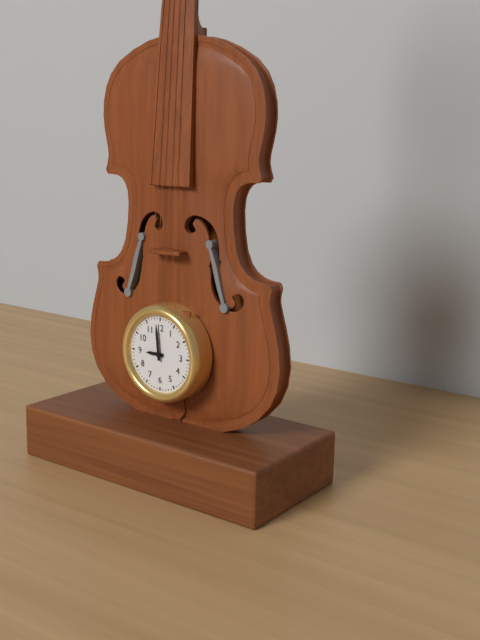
8:59
